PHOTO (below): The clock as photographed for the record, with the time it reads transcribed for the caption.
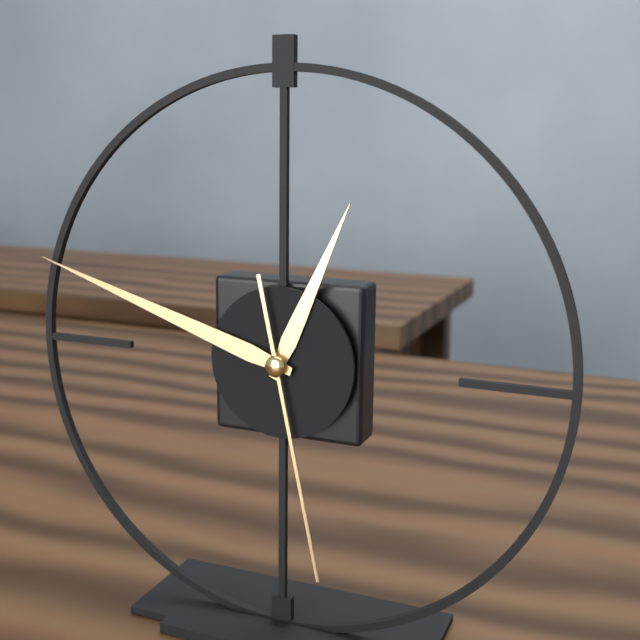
12:48:28
